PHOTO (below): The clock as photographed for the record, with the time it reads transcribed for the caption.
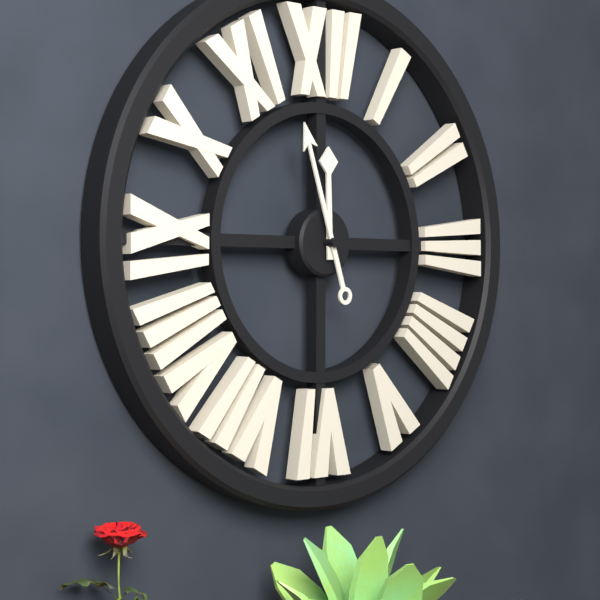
11:57
